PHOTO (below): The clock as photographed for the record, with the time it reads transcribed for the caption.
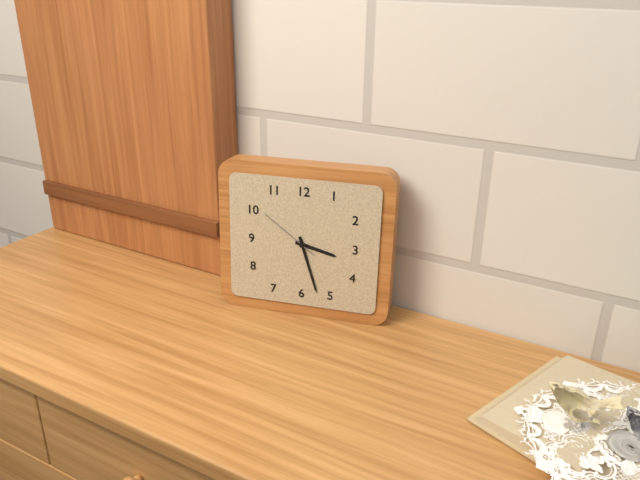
3:27:51
